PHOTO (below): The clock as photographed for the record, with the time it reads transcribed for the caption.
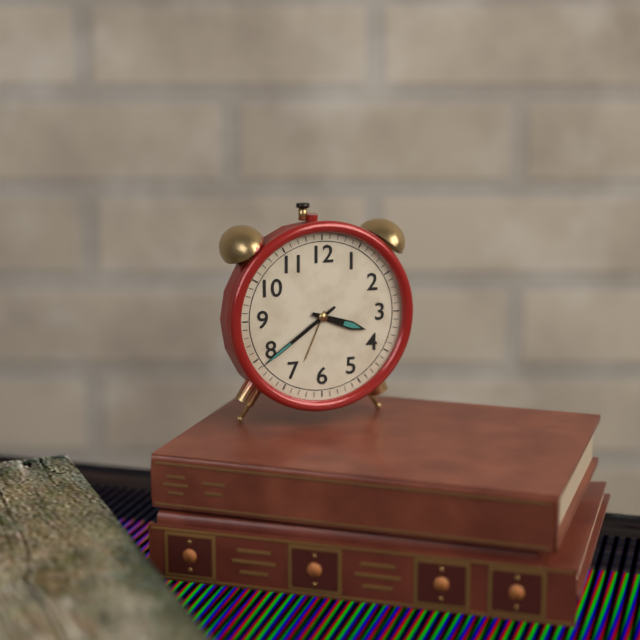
3:39
